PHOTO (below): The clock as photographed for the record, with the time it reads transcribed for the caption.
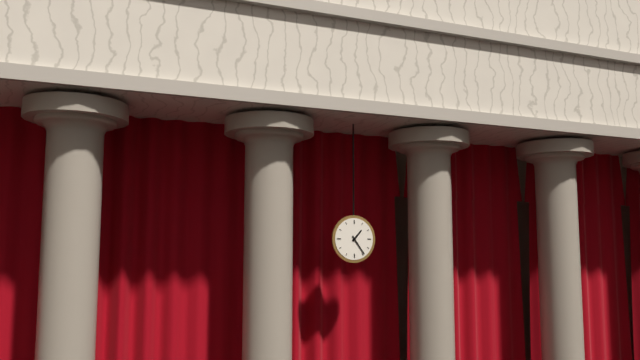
1:24
